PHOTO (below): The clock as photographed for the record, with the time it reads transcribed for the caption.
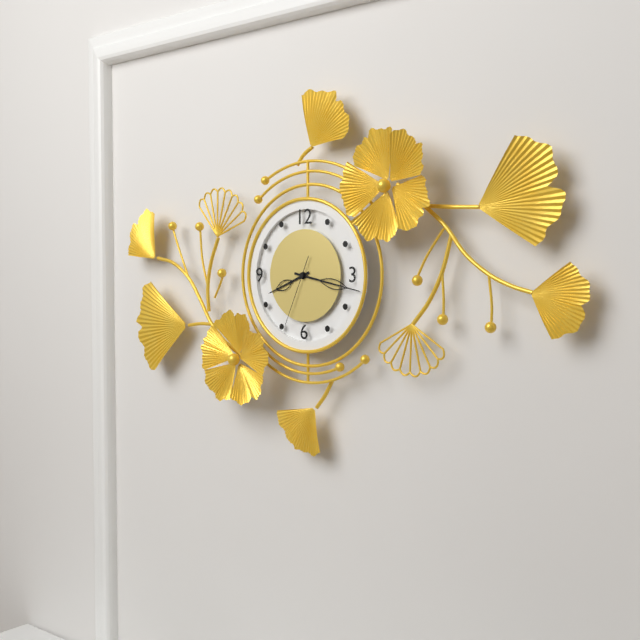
8:17:34
